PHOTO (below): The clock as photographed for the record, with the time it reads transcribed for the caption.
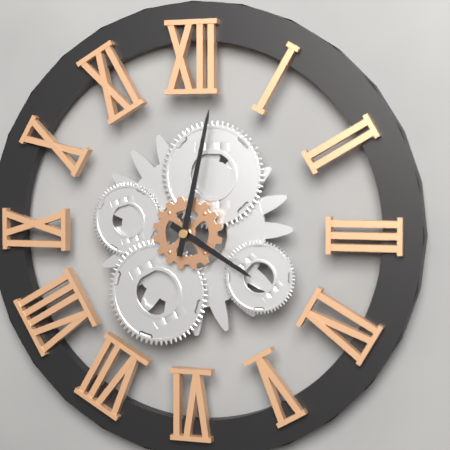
4:02
